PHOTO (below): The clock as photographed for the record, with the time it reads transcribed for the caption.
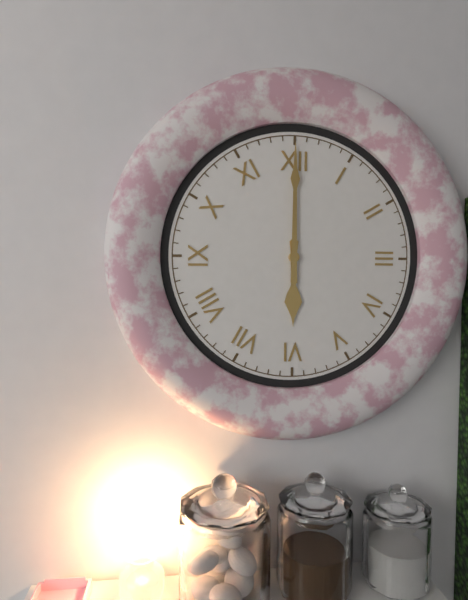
6:00
